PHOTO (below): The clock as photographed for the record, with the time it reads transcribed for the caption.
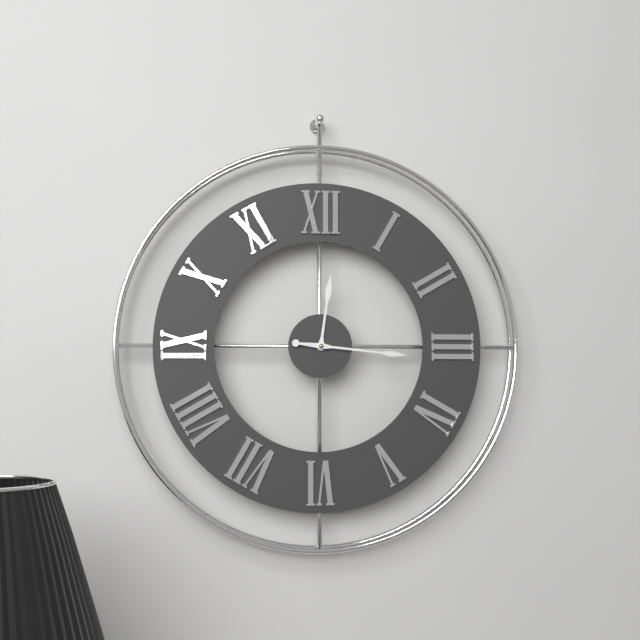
12:16
